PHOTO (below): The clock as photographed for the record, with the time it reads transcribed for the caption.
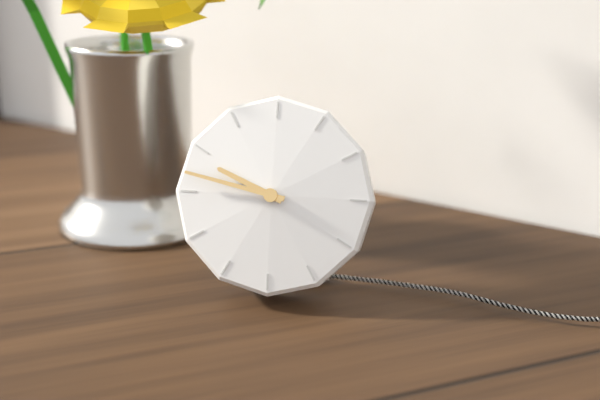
9:47
